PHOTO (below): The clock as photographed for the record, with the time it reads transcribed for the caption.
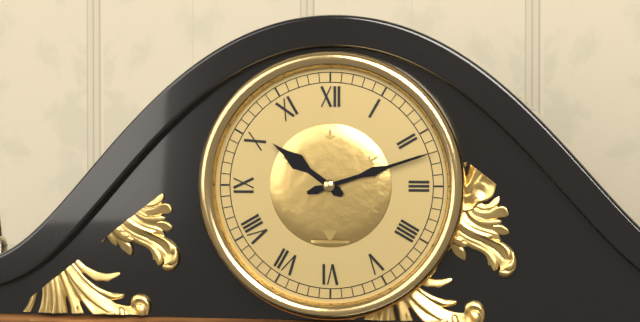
10:12
